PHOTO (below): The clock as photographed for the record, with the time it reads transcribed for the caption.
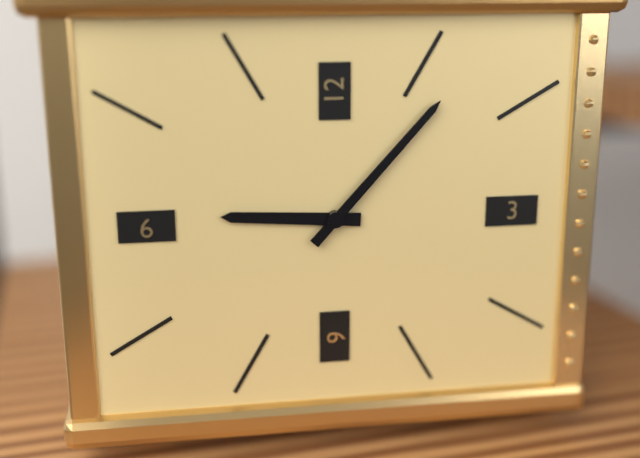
9:07
